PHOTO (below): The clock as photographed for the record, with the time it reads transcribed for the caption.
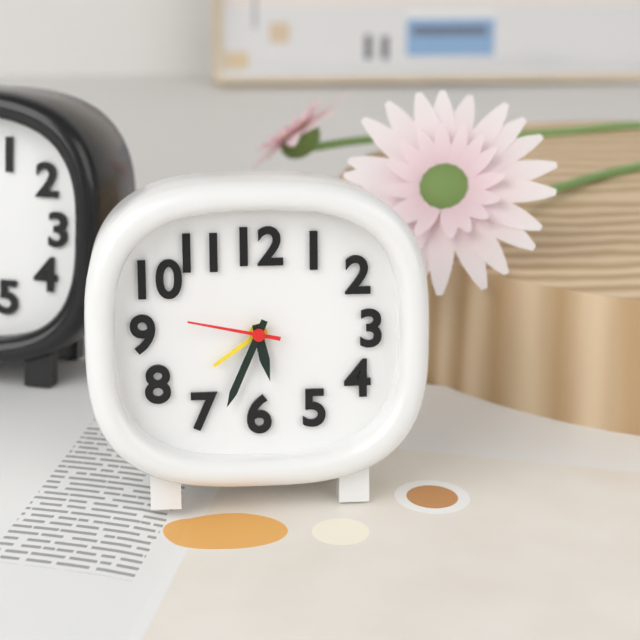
5:34:47
